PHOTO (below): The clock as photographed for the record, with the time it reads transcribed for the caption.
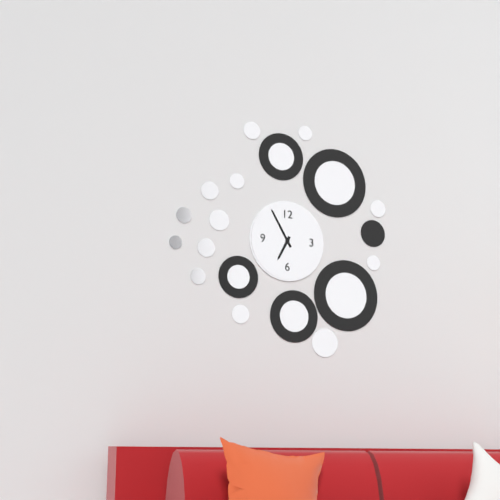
6:55
